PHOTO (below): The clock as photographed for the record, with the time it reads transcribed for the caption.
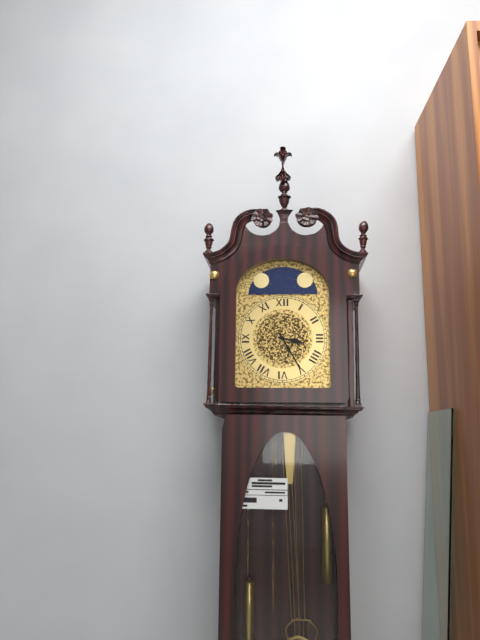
3:25
